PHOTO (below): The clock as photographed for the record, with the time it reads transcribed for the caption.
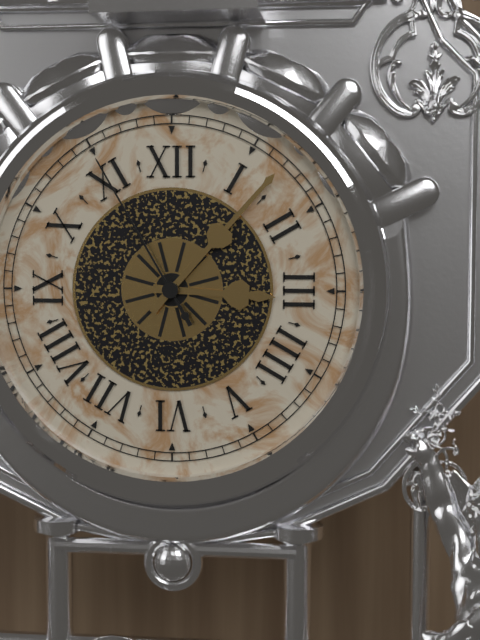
3:07:55
